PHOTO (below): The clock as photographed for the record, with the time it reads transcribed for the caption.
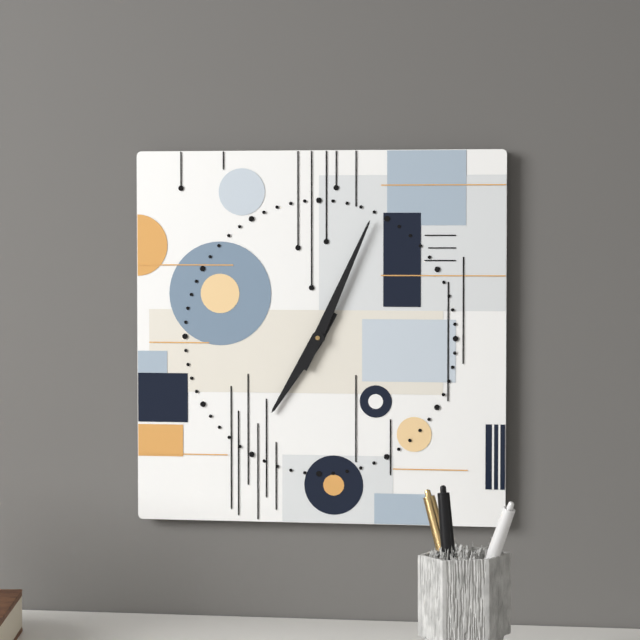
7:04
